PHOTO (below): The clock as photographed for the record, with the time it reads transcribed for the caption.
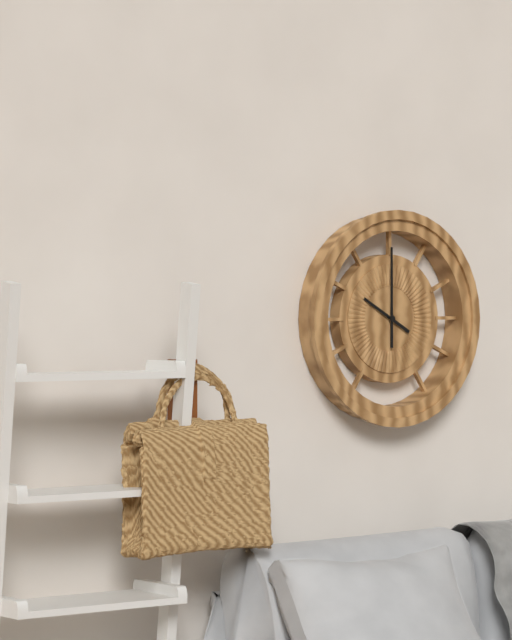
10:00
